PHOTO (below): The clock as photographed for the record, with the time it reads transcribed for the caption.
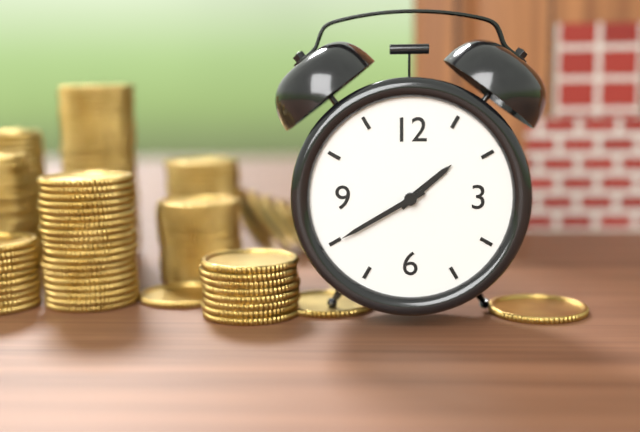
1:40
